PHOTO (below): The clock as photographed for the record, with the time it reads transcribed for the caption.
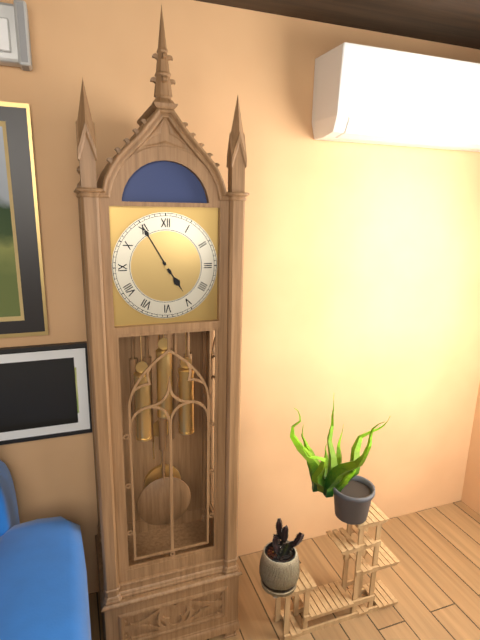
4:55
